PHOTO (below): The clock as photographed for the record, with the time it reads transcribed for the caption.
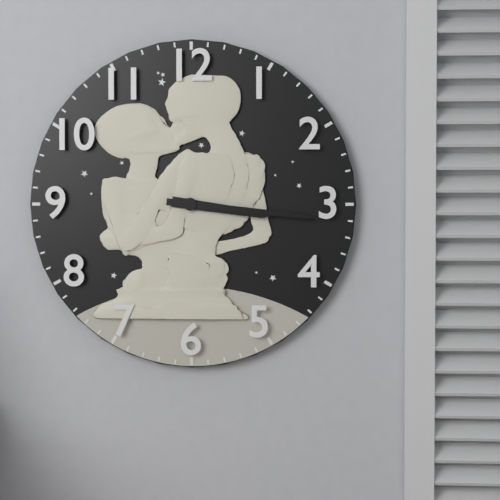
3:16
